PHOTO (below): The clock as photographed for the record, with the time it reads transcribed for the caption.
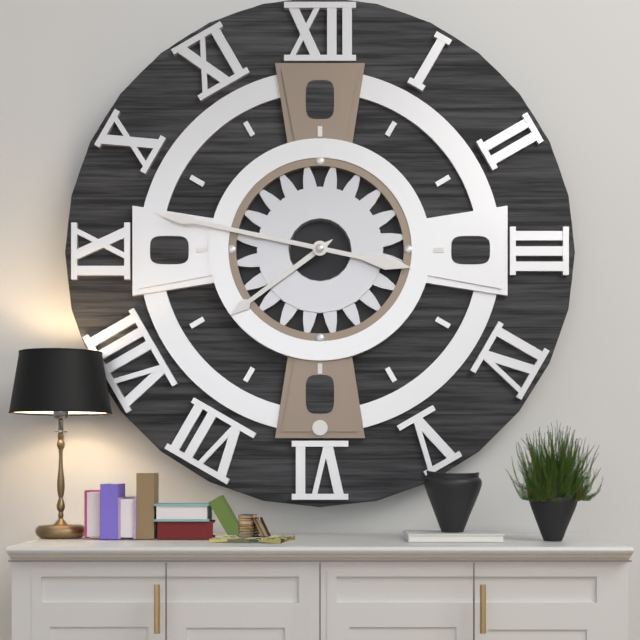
7:47
